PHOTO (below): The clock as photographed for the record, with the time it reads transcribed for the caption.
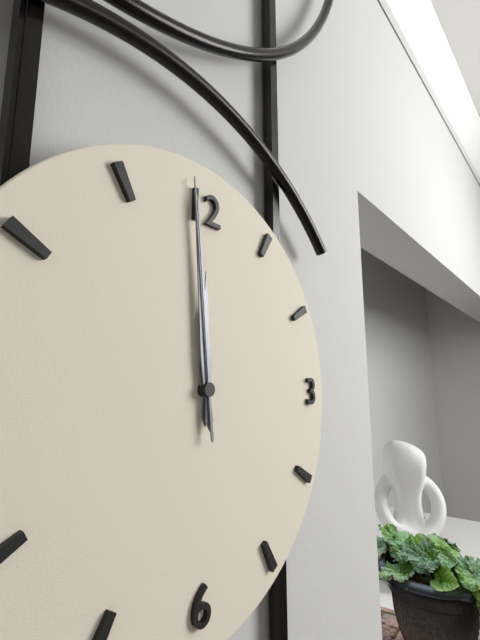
11:59:59
